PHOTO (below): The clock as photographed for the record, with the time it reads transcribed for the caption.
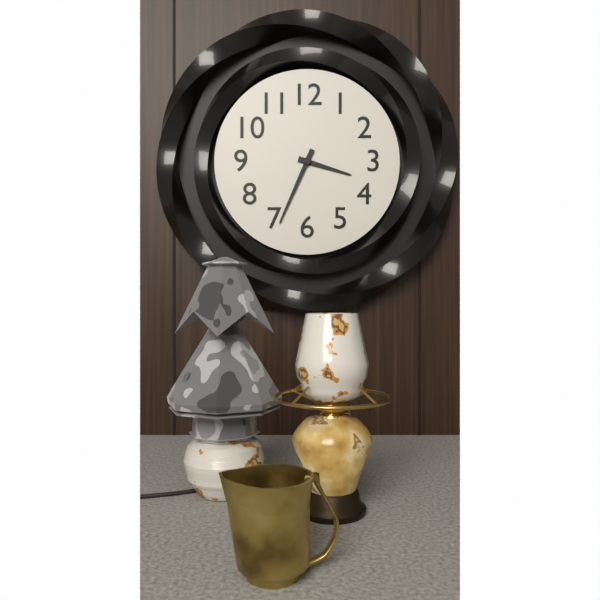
3:34
